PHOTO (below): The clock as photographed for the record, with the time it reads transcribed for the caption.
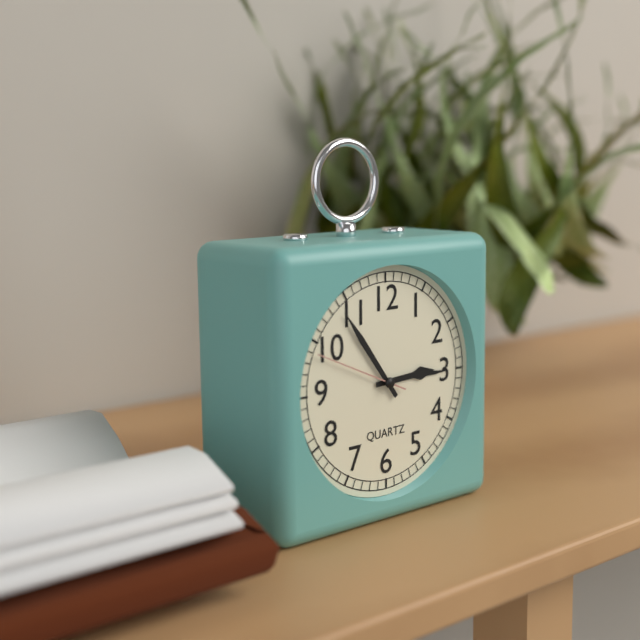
2:54:49
